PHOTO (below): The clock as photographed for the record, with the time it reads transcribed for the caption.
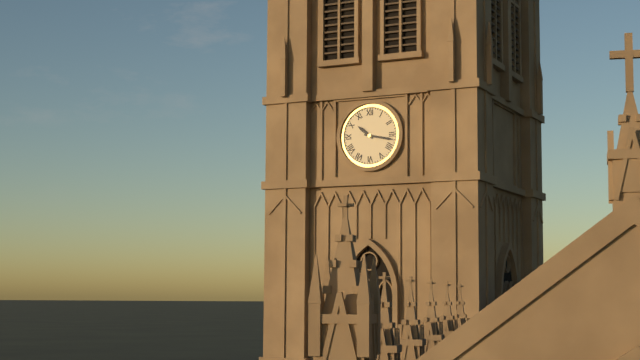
10:17
